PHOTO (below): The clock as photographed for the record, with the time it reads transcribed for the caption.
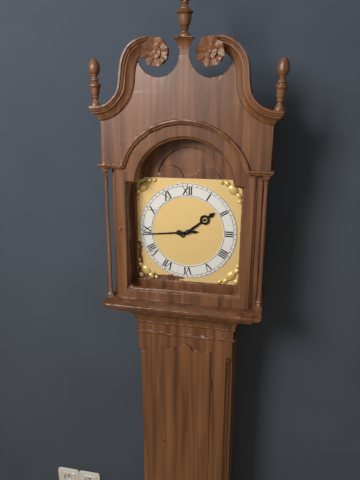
1:44
